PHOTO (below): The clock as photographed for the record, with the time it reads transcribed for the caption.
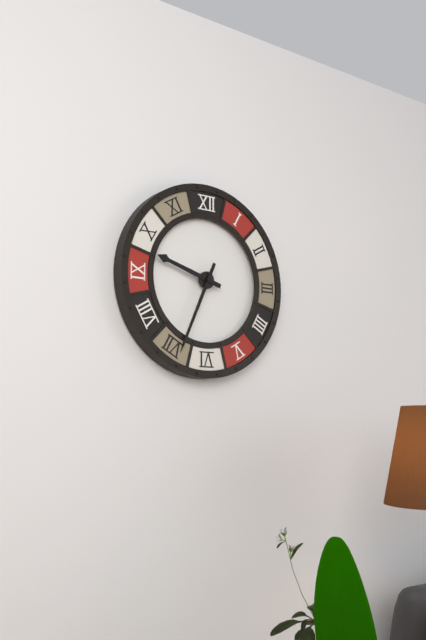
9:34
